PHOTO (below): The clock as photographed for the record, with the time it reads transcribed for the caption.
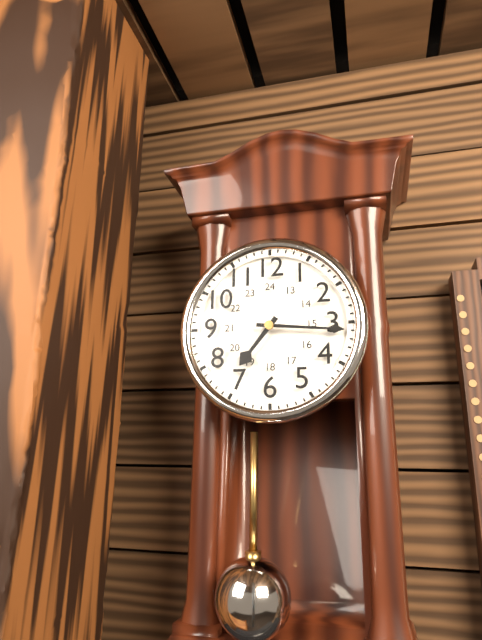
7:16
